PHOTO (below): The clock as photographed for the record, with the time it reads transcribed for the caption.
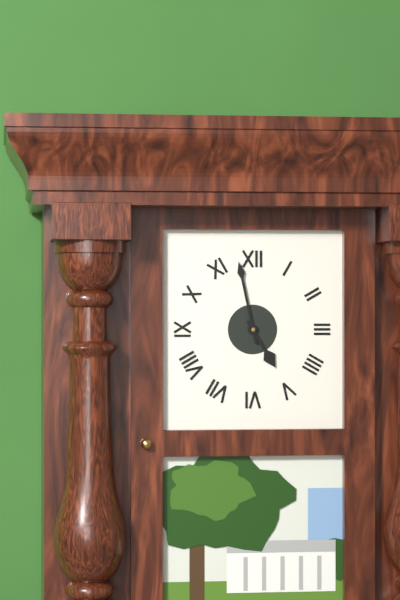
4:58
